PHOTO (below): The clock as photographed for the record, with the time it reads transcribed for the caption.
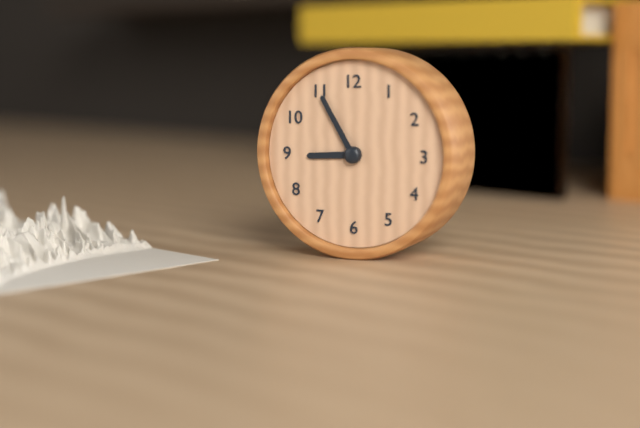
8:55
